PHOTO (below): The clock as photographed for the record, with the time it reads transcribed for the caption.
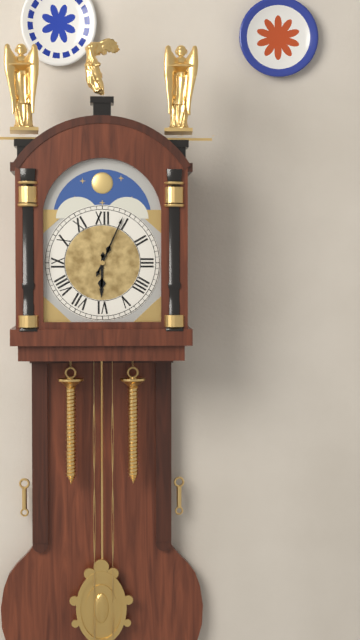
6:04
